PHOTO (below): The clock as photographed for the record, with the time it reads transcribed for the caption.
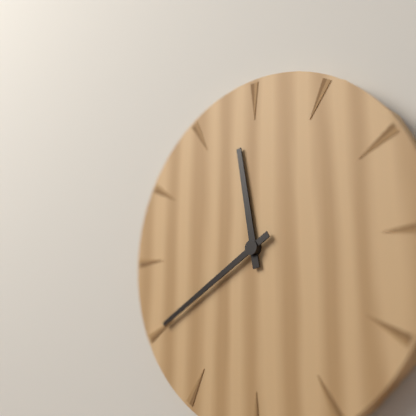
11:40
